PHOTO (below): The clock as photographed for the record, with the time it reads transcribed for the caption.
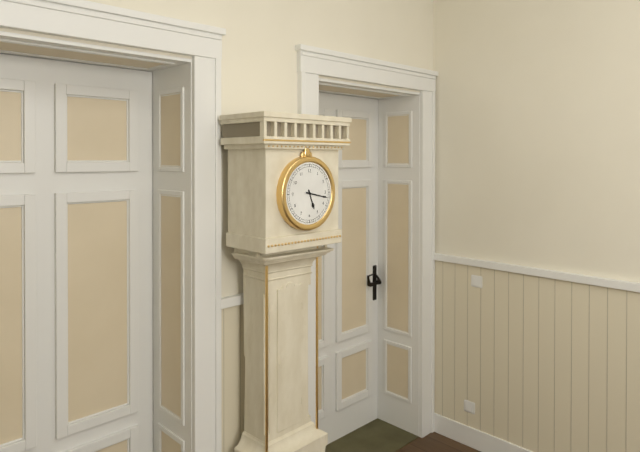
5:17
